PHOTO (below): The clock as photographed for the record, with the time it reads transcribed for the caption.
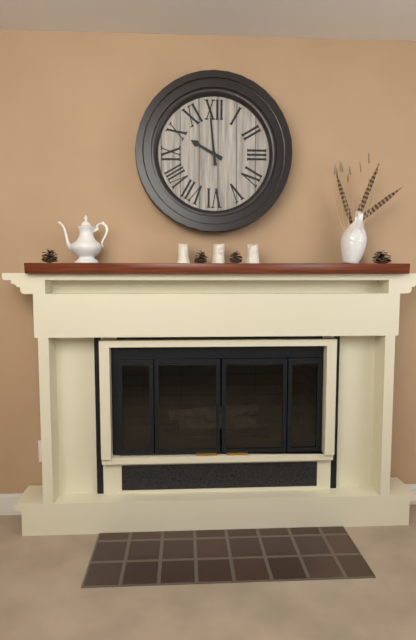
9:59
